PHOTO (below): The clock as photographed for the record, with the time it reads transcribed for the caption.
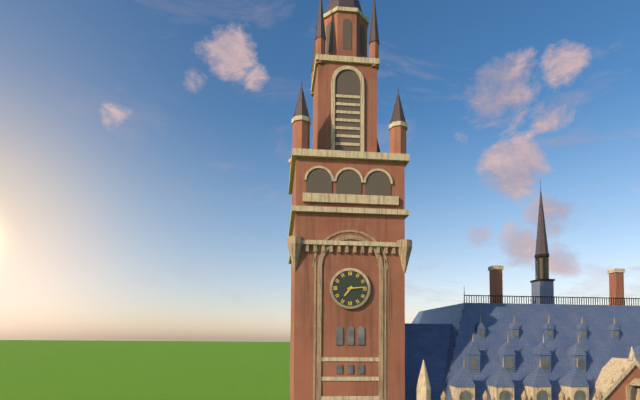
7:14
